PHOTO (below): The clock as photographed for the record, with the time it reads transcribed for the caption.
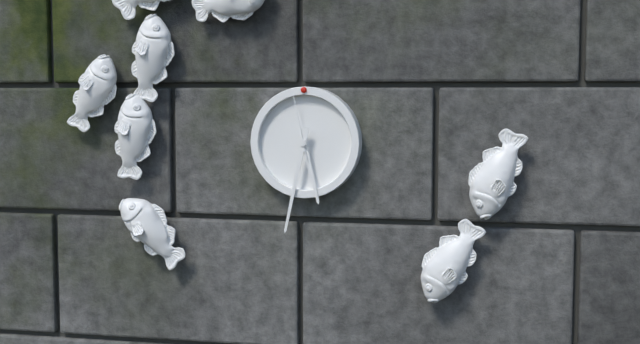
5:32:58
